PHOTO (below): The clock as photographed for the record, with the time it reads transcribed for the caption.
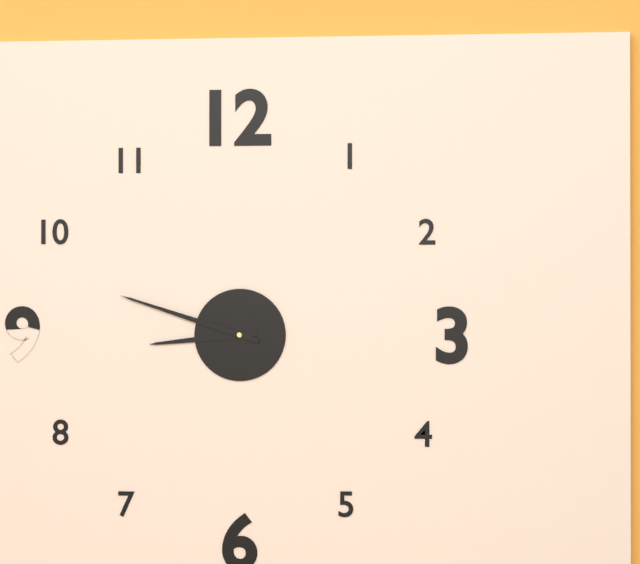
8:48
